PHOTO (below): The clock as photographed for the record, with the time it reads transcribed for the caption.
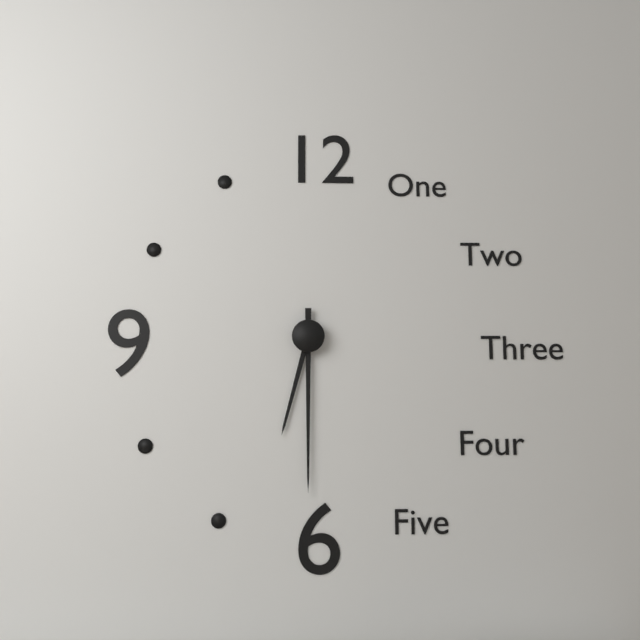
6:30
